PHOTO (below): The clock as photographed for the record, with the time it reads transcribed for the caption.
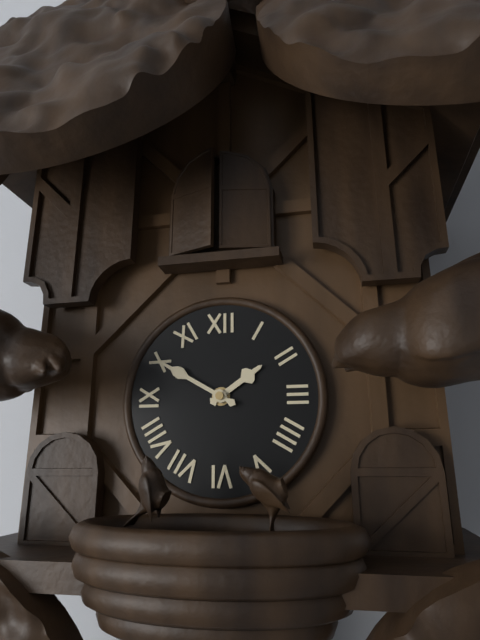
1:50
